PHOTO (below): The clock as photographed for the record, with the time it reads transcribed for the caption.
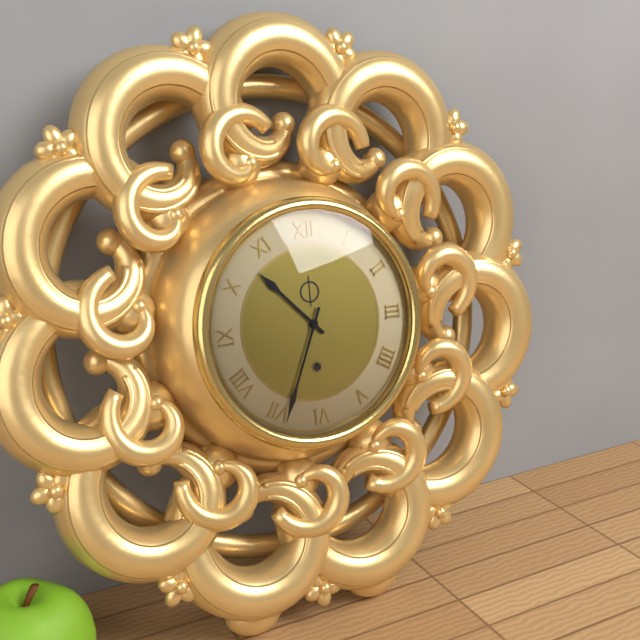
10:34
